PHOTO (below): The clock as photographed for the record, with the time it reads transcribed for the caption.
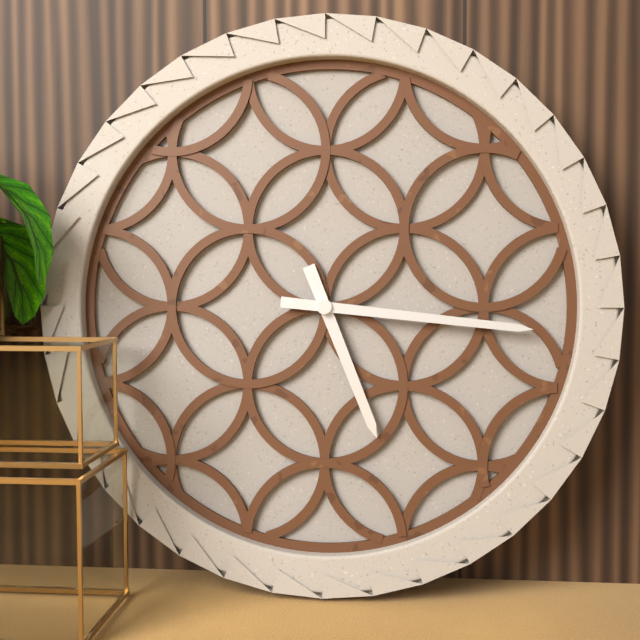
5:16
